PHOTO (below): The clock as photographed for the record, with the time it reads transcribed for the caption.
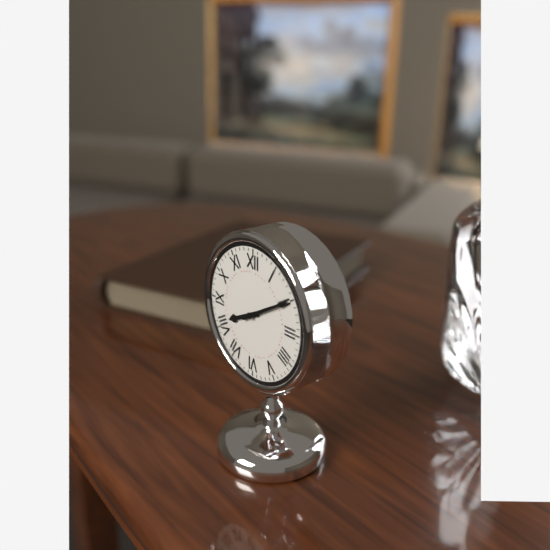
8:10
